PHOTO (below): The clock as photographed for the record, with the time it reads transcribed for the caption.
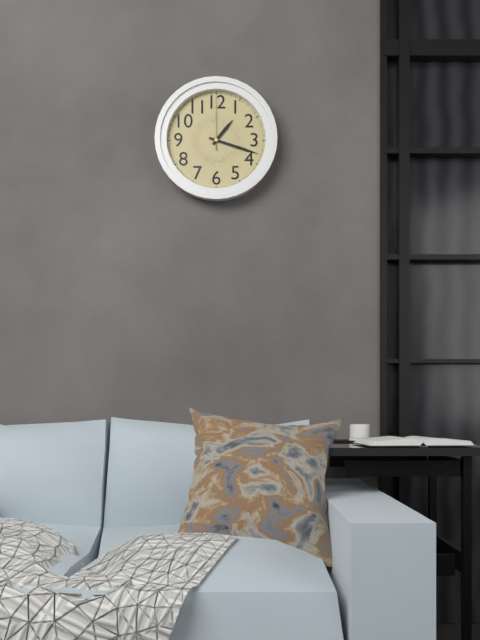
1:18:00
